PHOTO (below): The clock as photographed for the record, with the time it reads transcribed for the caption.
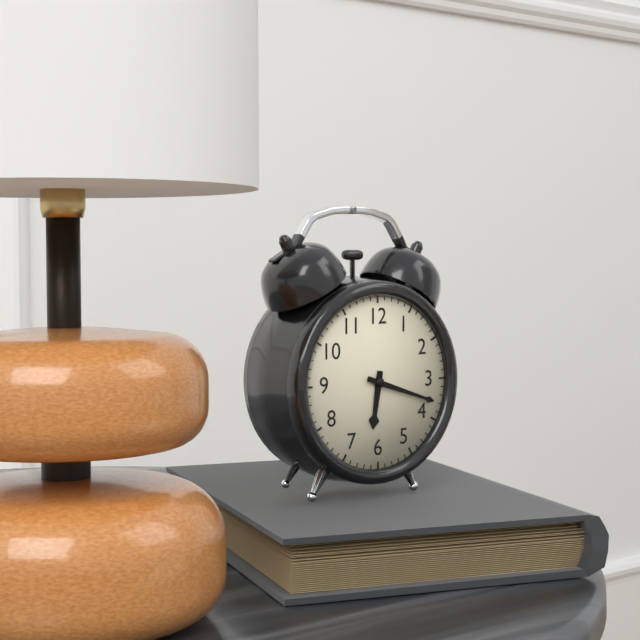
6:18
